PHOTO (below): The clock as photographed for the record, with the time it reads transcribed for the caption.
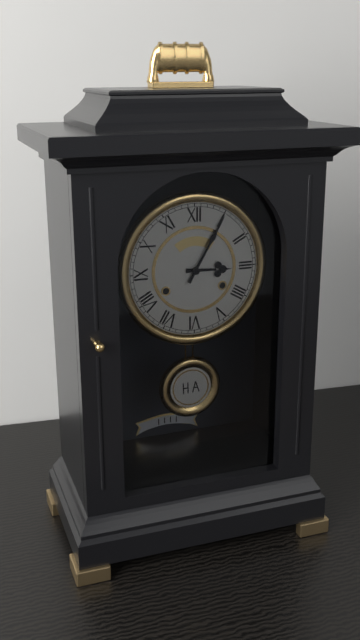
3:05
